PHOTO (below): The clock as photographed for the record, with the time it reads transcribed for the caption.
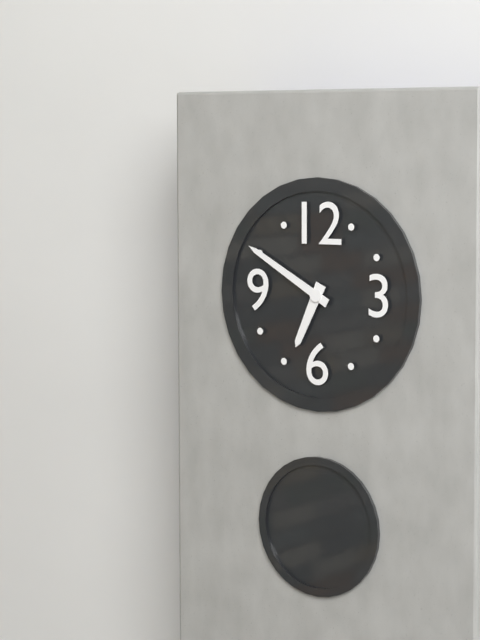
6:50
